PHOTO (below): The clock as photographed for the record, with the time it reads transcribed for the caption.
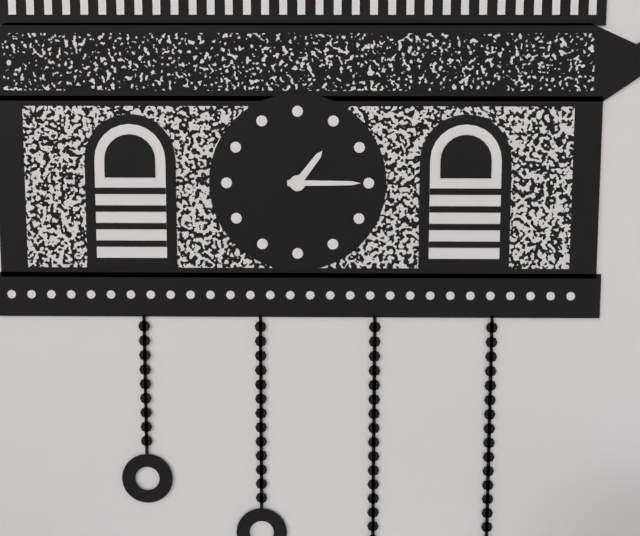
1:15
